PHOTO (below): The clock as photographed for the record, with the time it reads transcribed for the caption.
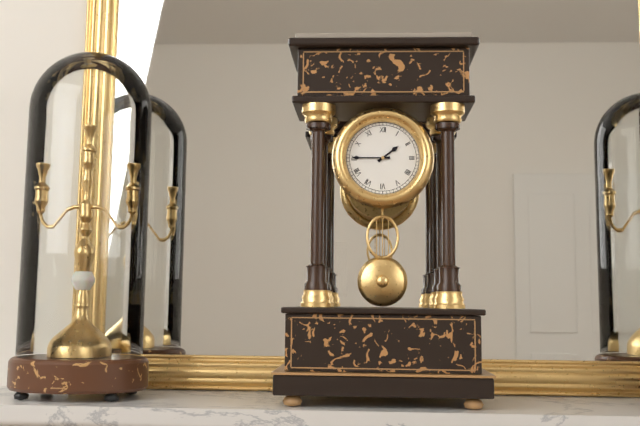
1:45
